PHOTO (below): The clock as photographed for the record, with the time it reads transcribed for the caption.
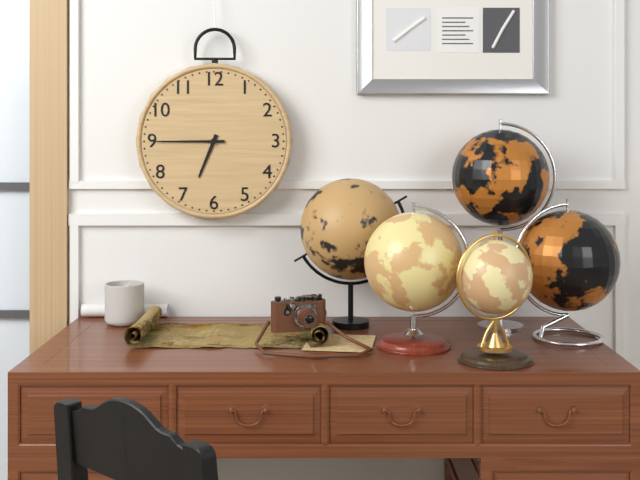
6:45
